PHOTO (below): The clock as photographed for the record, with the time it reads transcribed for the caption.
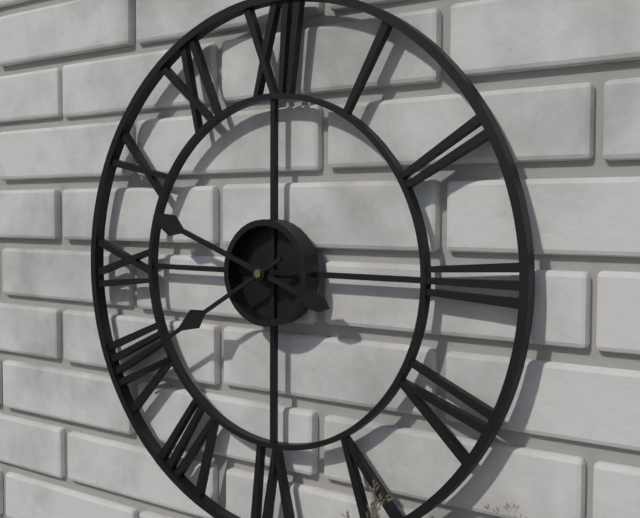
9:40
